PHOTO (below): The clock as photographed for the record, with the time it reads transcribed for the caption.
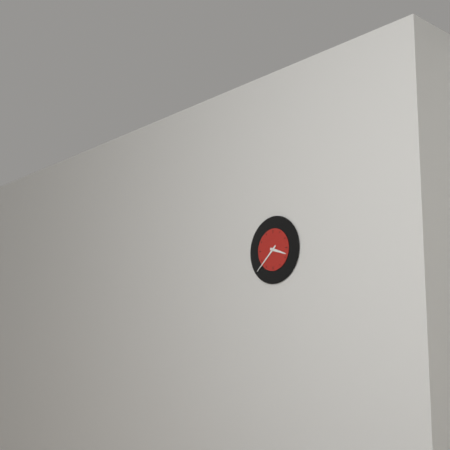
3:38
